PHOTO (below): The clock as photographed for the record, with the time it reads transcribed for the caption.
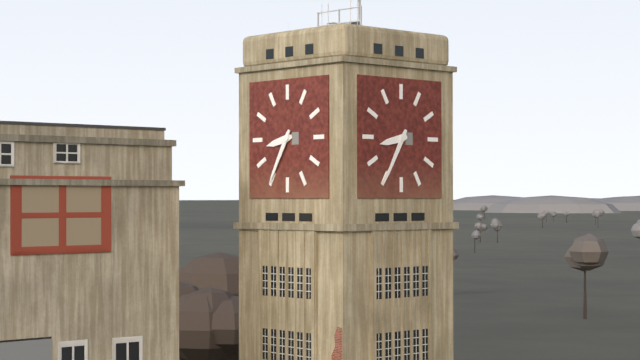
8:35
